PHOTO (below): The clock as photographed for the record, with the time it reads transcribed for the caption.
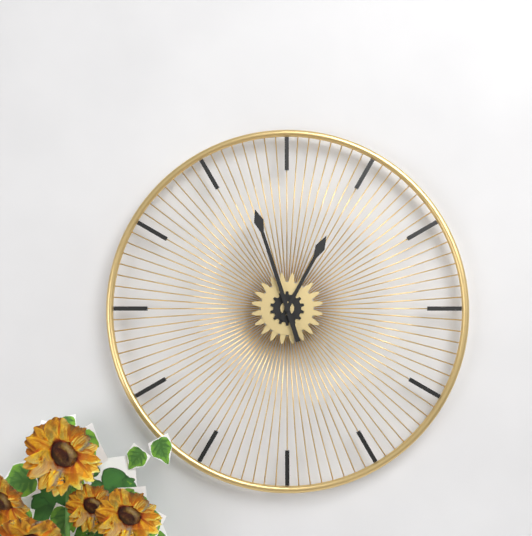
12:57
